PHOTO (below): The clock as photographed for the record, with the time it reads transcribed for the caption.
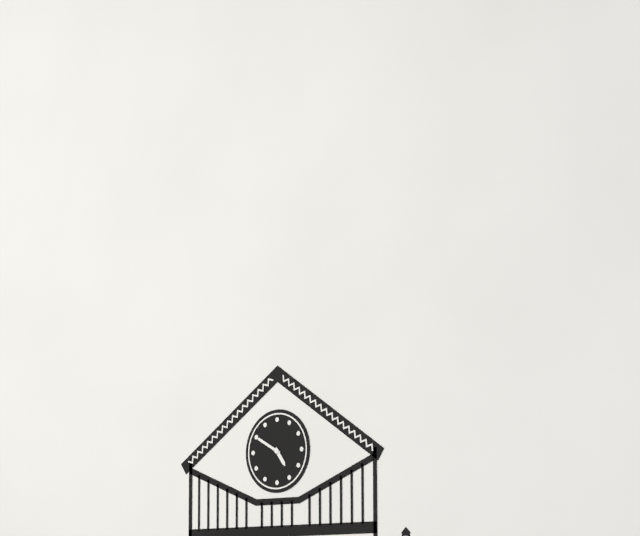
4:50
